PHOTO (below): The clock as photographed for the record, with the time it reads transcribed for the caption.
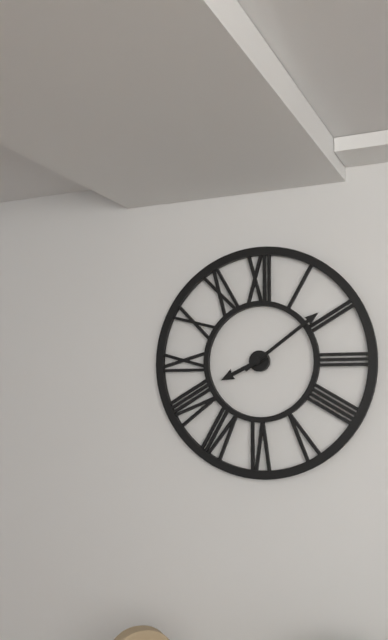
8:09
